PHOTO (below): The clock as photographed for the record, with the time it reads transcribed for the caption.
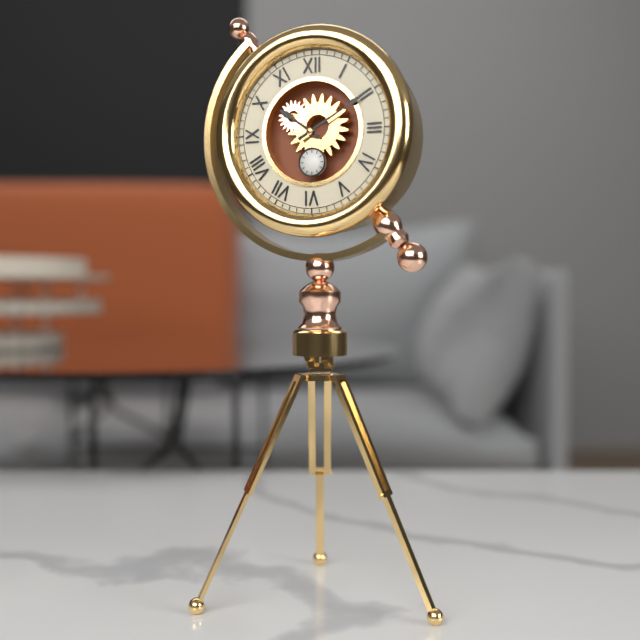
10:10
